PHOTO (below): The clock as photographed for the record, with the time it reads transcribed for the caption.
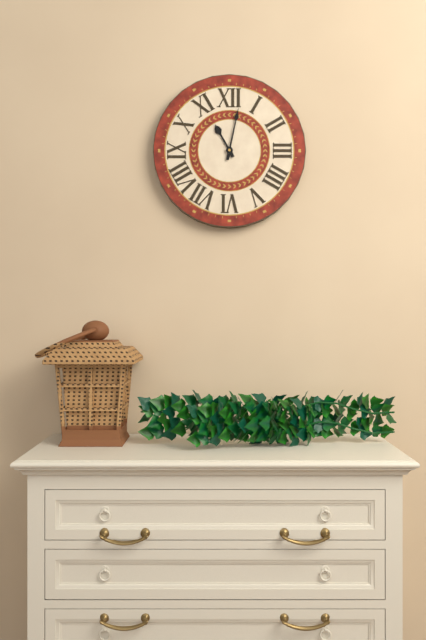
11:02
